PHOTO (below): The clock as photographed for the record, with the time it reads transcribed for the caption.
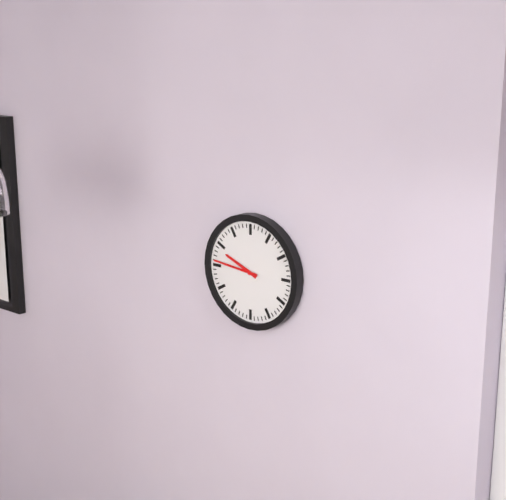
9:46
